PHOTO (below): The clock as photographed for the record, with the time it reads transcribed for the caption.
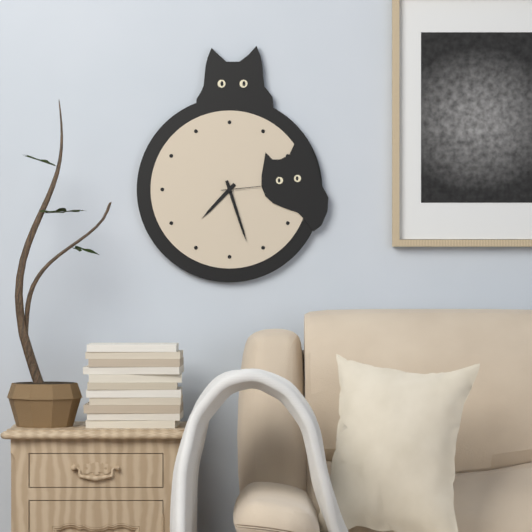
7:27
